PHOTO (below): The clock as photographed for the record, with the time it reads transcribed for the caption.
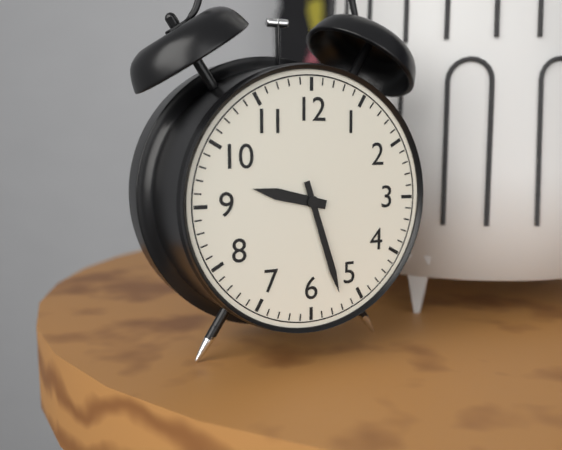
9:27
